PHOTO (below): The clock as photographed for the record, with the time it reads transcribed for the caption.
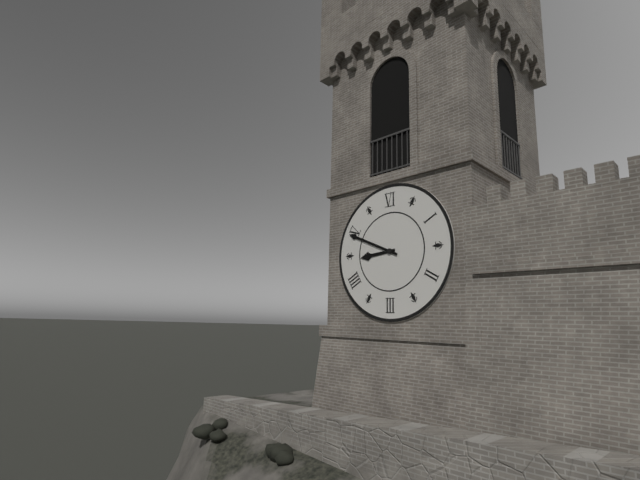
8:49
